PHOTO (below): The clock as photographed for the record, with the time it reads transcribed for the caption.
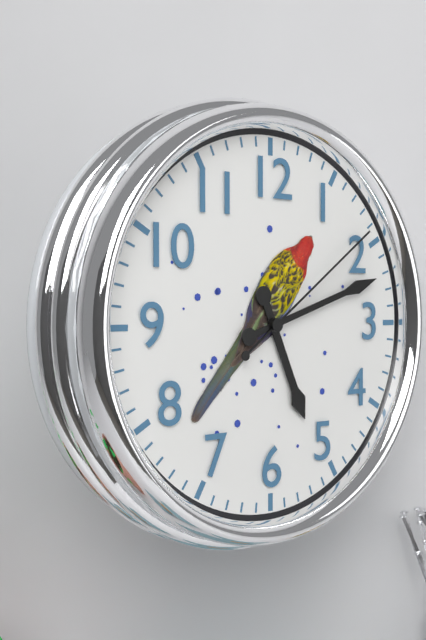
5:12:09
